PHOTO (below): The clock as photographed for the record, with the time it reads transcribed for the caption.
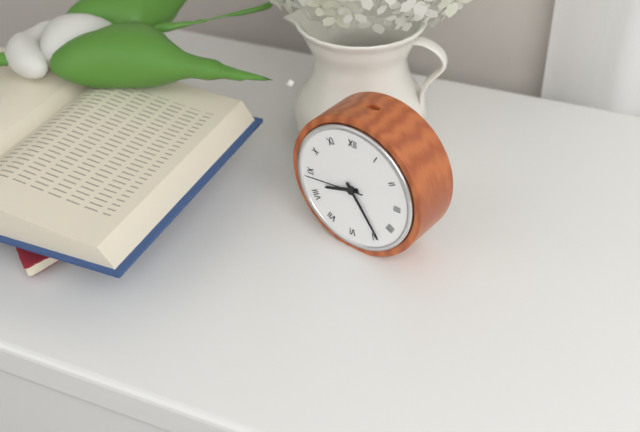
8:24:44
